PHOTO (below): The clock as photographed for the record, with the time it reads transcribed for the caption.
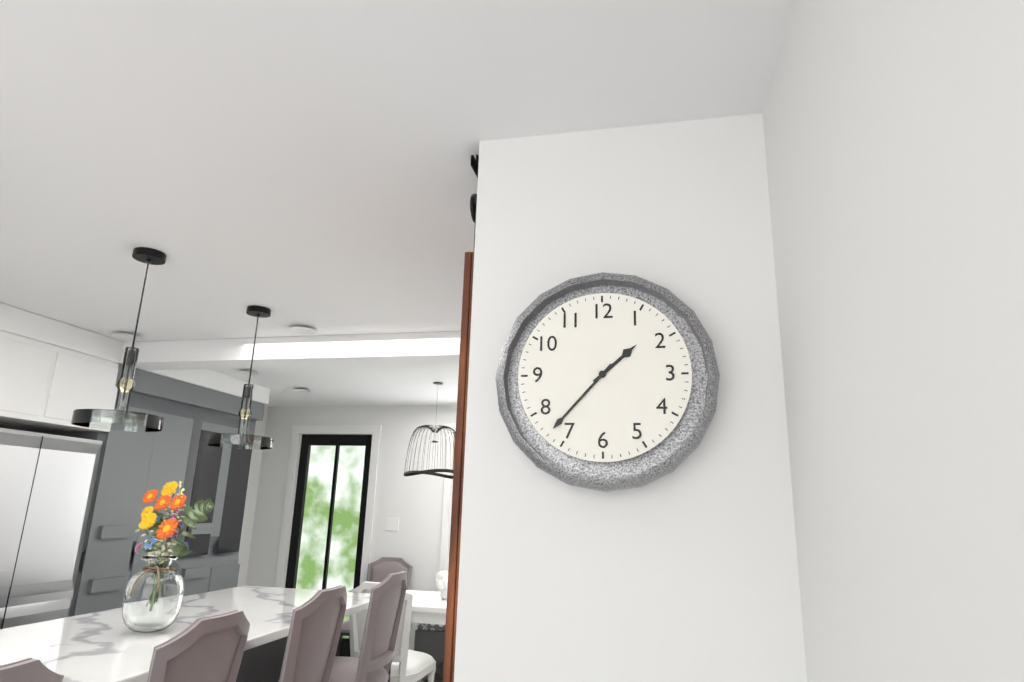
1:37
